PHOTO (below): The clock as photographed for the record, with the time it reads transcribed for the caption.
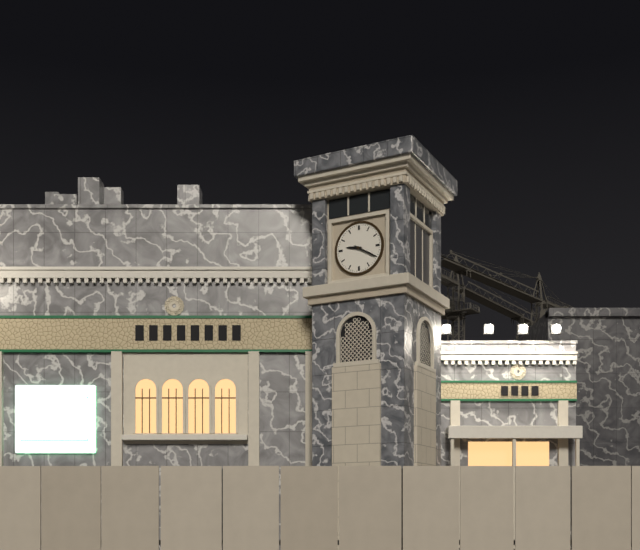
9:20
